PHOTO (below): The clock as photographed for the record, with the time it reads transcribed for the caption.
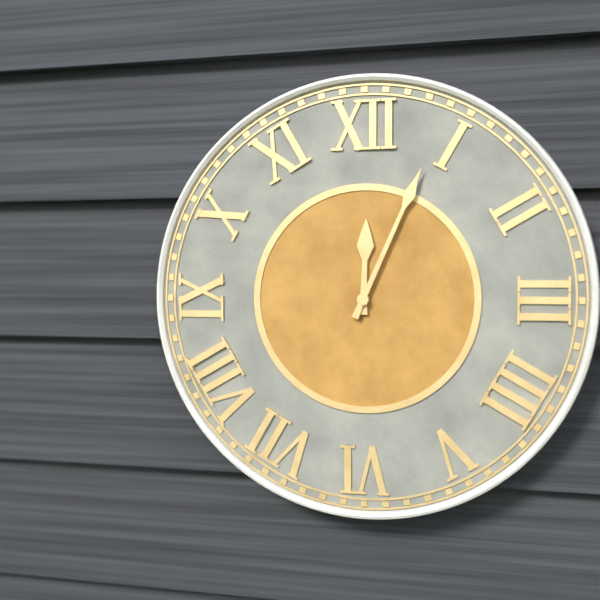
12:04
